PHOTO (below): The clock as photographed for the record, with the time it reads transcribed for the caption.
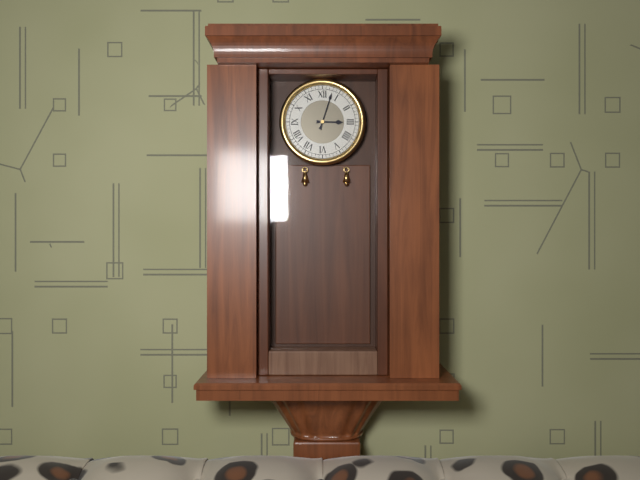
3:03
